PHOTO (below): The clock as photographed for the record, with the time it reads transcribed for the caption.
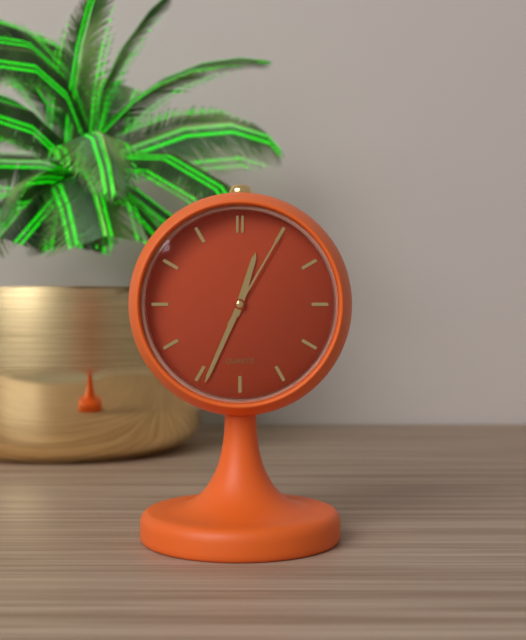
12:34:05
